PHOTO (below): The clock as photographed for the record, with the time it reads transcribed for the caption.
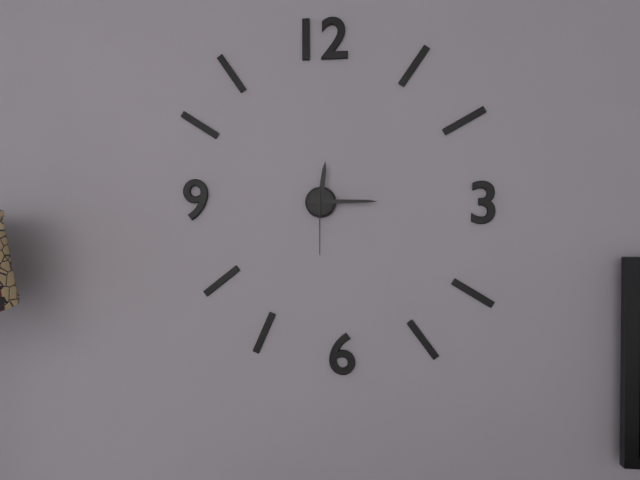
12:15:30
